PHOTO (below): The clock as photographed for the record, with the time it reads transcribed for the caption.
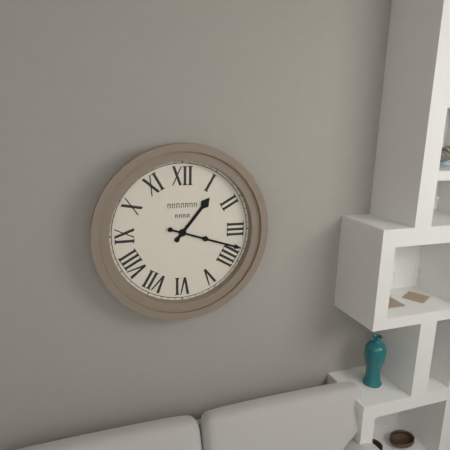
1:18
